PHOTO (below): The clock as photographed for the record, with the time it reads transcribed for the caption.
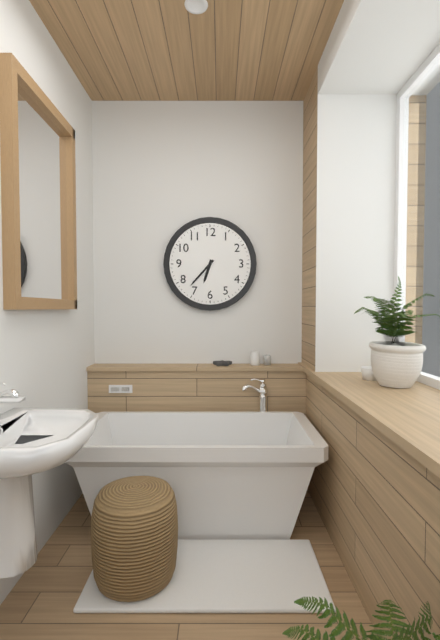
6:37
